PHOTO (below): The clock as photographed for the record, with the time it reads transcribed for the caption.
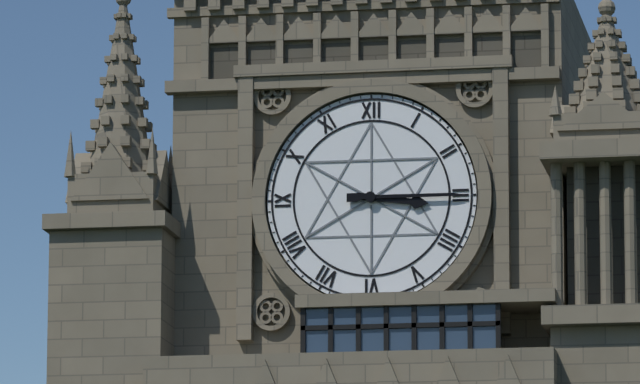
3:15
